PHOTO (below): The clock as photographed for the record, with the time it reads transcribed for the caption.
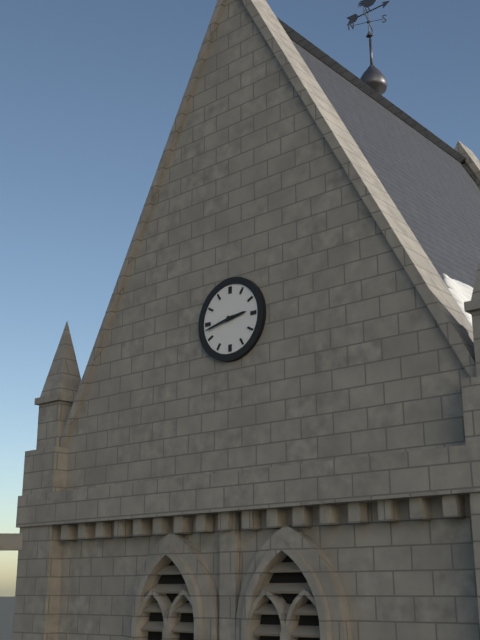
2:43
